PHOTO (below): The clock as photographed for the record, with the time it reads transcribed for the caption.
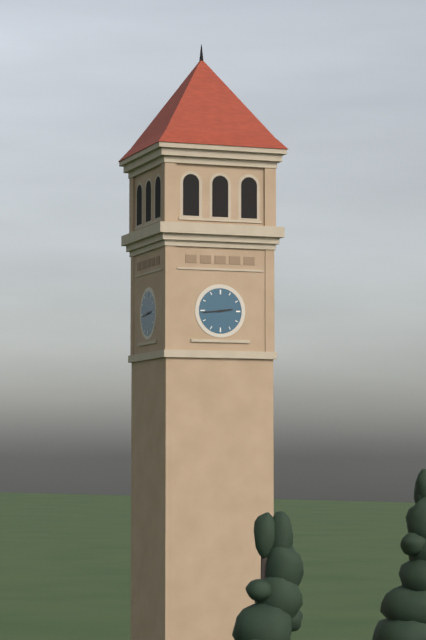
2:44
